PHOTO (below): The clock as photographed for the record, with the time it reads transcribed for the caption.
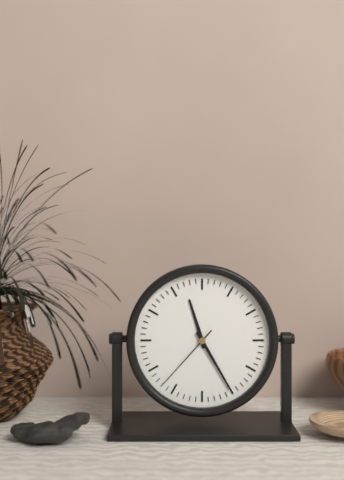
11:25:37
